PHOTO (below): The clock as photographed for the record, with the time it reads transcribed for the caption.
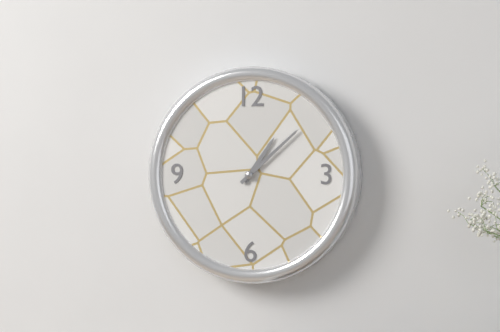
1:08
